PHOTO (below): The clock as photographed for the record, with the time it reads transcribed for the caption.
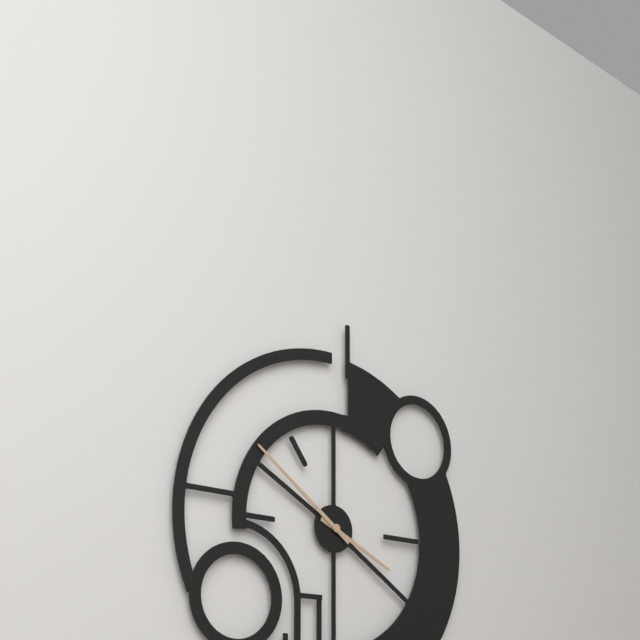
3:51
